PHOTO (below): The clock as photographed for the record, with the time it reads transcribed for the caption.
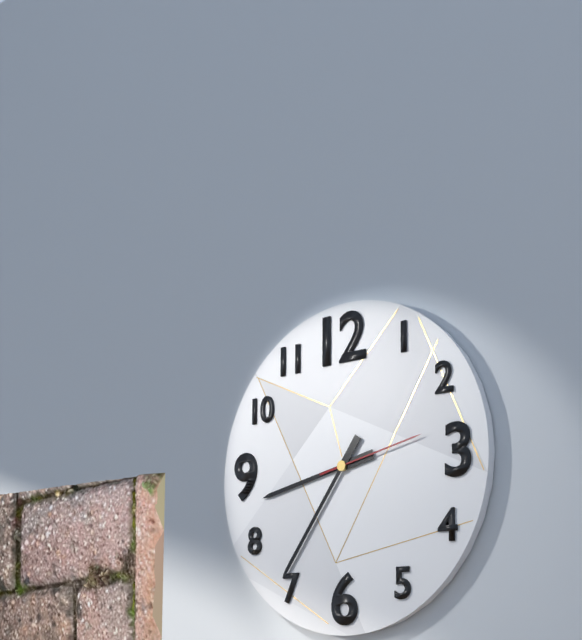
8:36:13
